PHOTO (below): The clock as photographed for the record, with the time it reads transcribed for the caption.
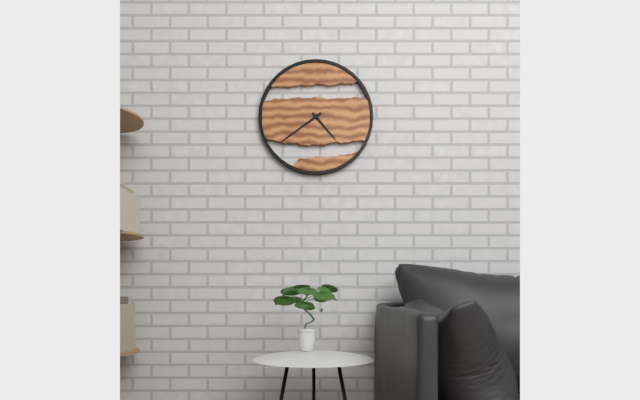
4:39
